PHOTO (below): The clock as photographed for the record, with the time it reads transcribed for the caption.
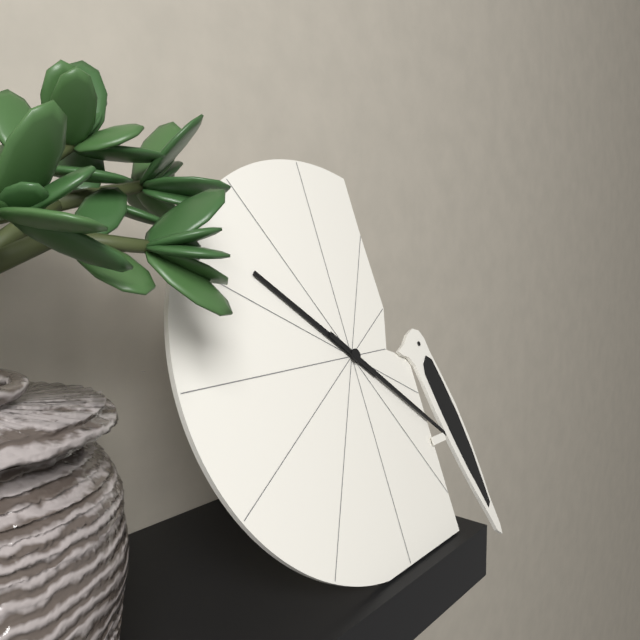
10:22
